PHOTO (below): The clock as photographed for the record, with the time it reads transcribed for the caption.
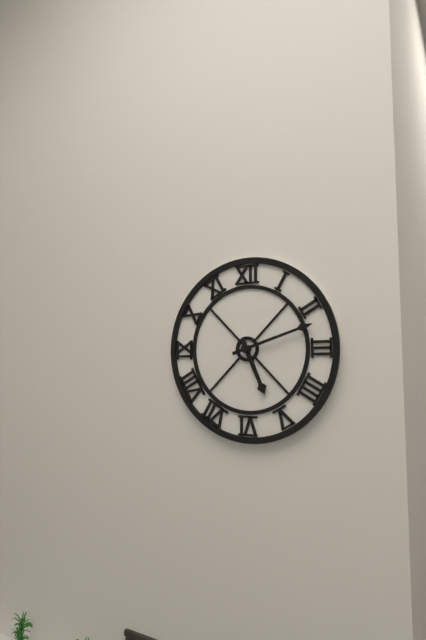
5:12
